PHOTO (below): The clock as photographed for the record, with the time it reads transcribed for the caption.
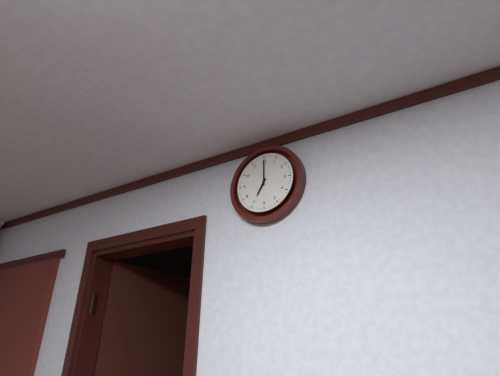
7:00
